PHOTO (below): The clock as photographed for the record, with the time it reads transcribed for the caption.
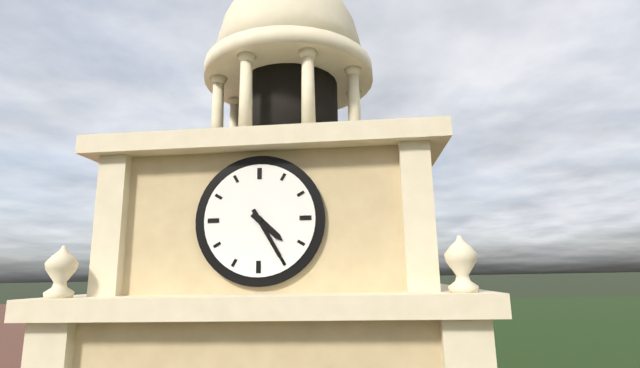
4:25
